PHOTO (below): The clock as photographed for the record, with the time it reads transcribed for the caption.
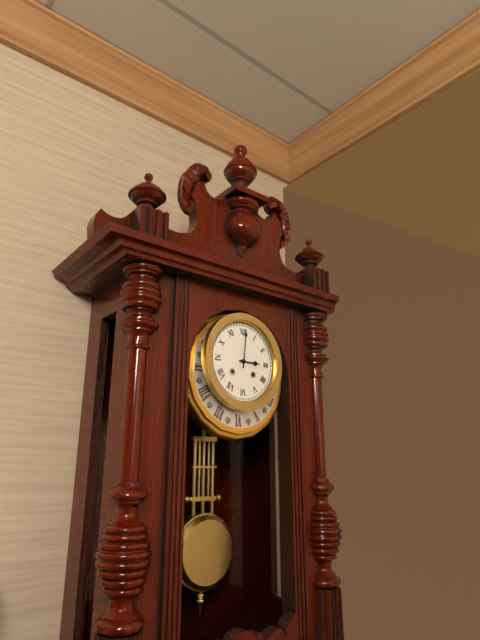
3:01
